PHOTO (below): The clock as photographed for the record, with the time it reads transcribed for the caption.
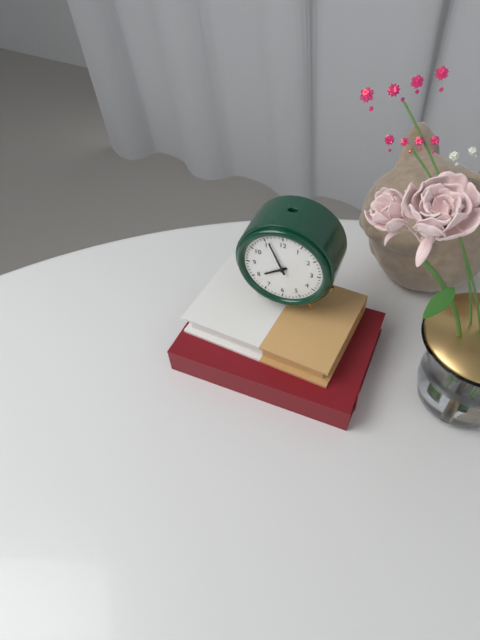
7:56
